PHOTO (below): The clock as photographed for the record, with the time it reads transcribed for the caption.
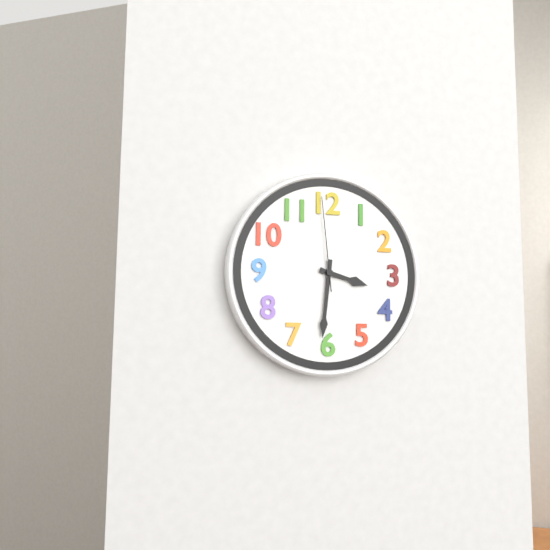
3:31:59
